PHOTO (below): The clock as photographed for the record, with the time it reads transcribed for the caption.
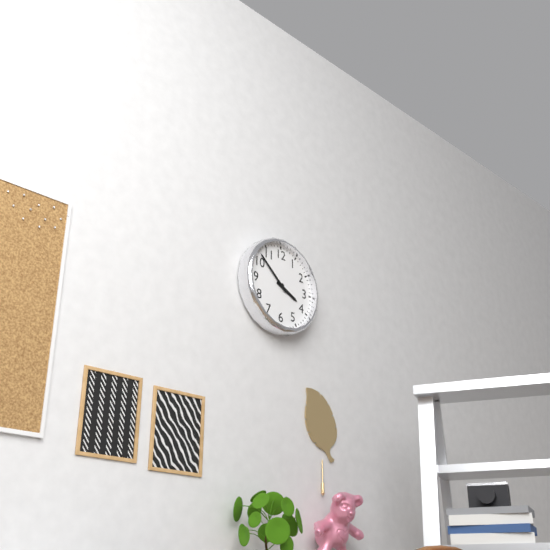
3:52
